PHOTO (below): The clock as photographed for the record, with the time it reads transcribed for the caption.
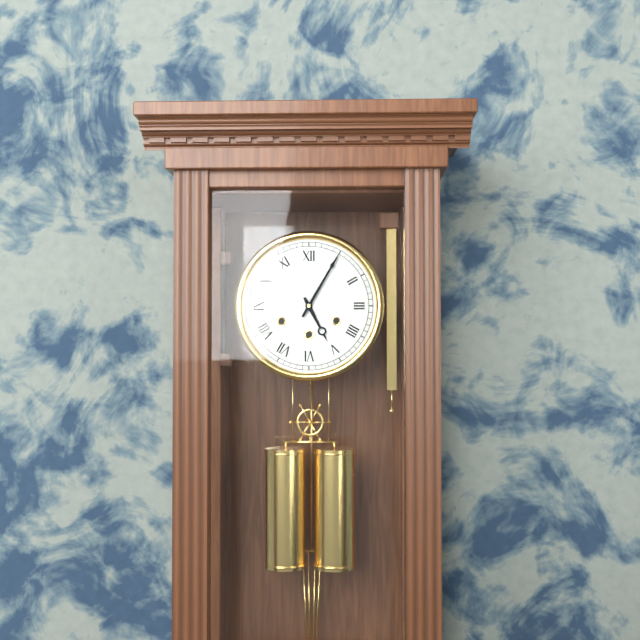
5:05
